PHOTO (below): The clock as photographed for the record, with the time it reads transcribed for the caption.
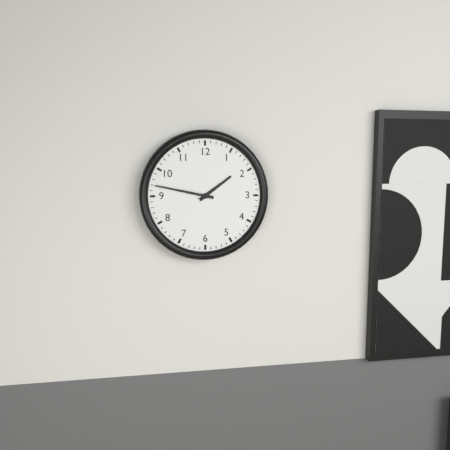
1:47
